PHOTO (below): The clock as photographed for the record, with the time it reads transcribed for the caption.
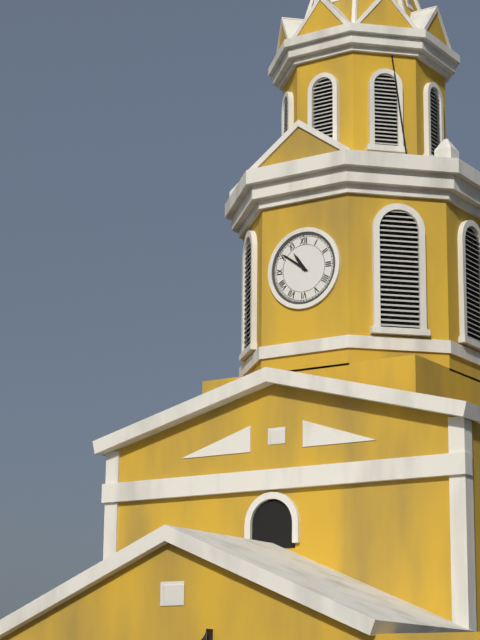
10:51
